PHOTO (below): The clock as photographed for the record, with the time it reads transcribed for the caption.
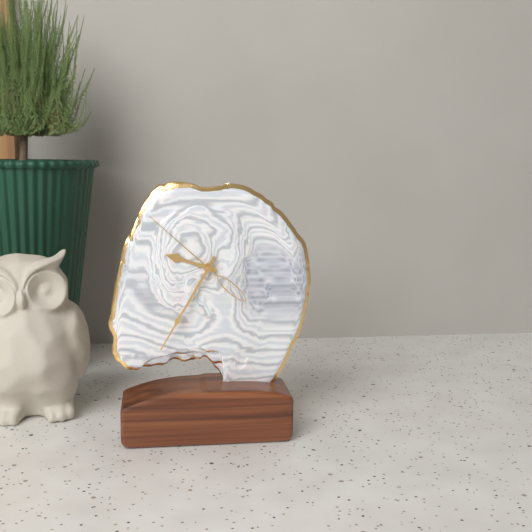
9:35:52
